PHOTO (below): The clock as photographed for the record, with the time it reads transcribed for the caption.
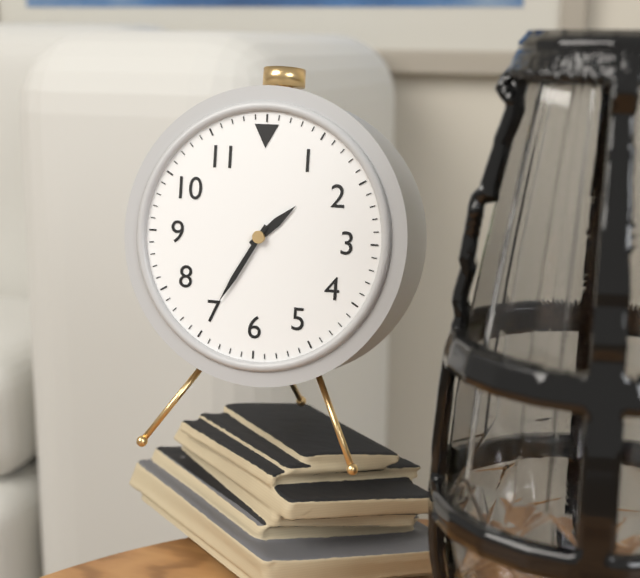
1:35
